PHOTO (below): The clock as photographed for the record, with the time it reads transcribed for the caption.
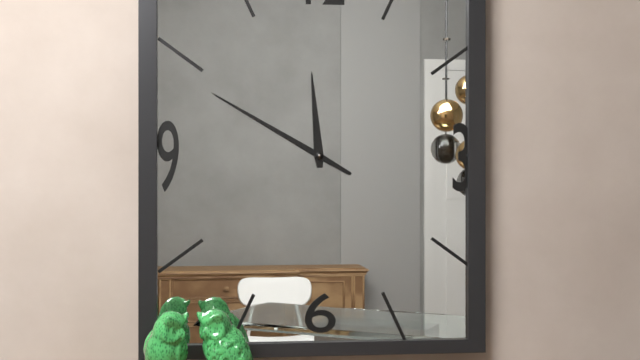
11:50
